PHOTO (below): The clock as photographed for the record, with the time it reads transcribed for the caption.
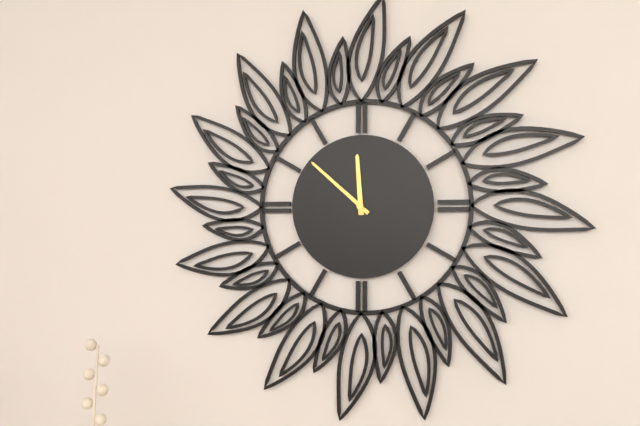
11:52
